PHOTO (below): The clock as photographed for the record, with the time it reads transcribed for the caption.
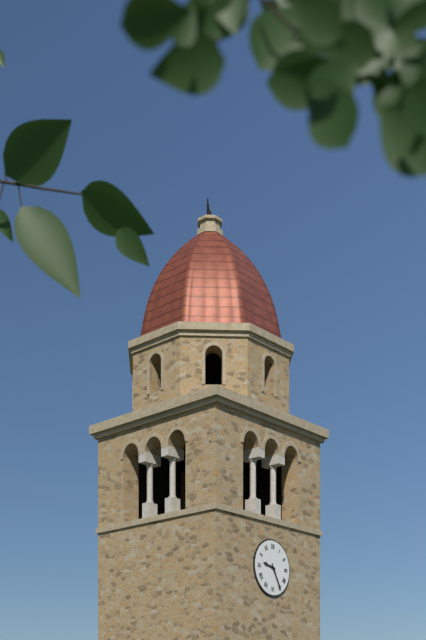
9:25
